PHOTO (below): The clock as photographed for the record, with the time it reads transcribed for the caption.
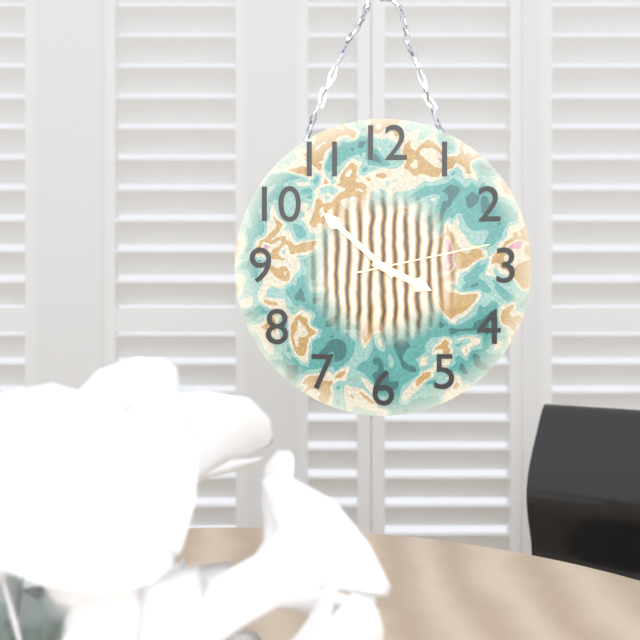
3:52:13
